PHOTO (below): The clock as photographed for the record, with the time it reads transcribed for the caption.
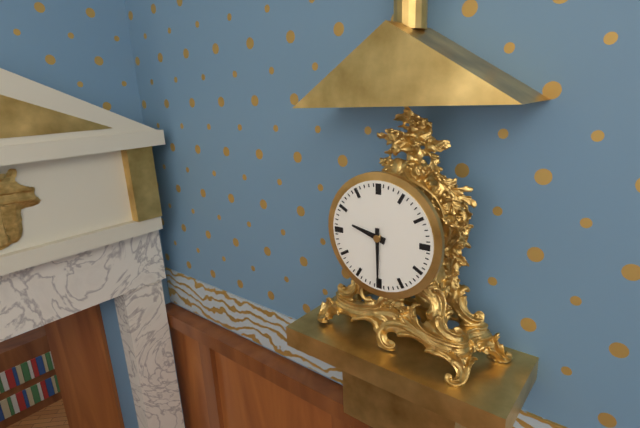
9:30
